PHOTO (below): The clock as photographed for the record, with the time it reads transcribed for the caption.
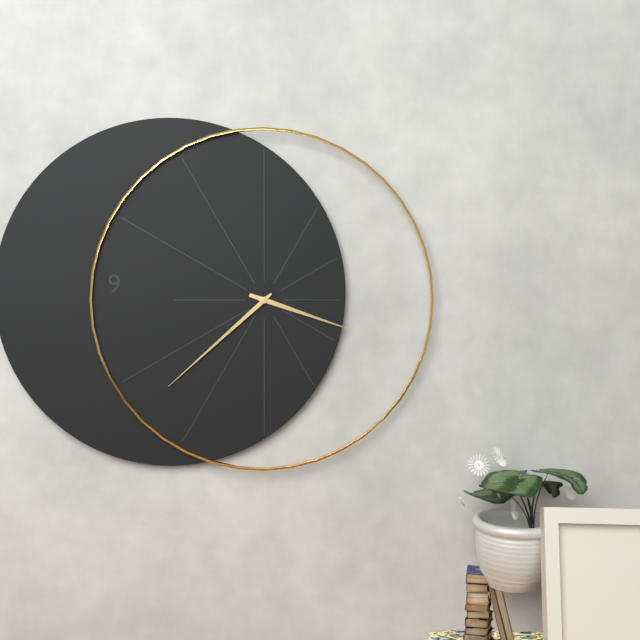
3:38
